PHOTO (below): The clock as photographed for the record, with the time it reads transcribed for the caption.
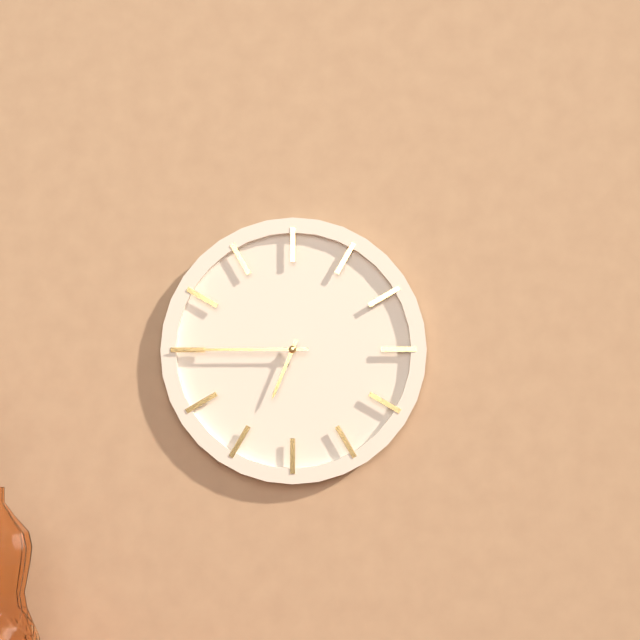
6:45
